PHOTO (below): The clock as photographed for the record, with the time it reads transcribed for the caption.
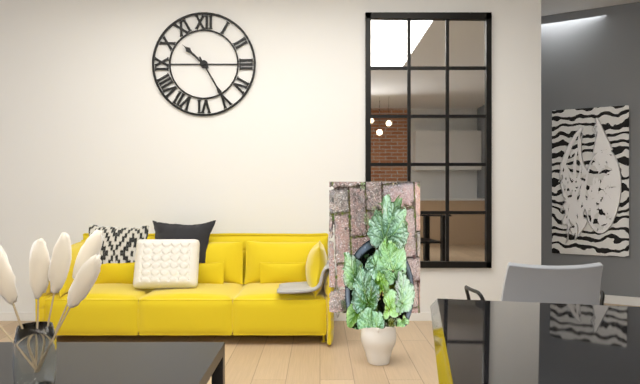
10:25
